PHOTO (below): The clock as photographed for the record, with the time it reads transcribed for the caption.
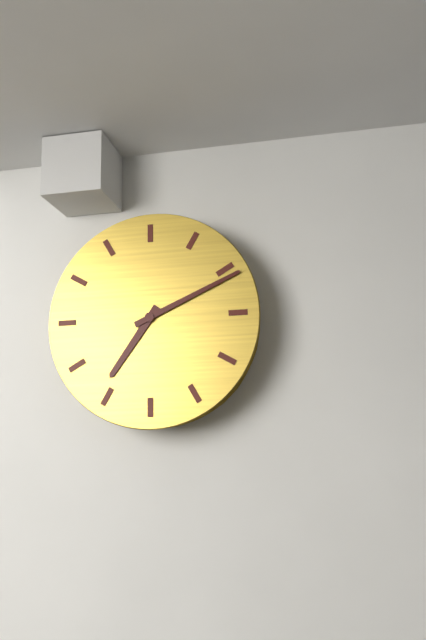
7:11
